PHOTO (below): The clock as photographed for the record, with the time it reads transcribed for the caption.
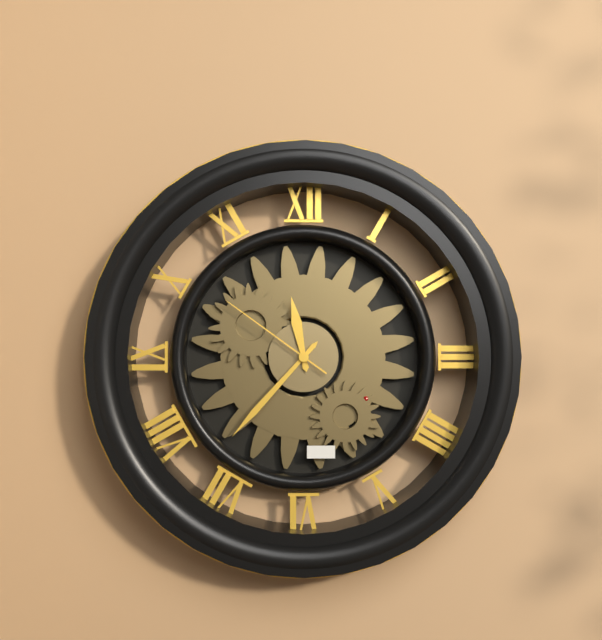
11:37:51
